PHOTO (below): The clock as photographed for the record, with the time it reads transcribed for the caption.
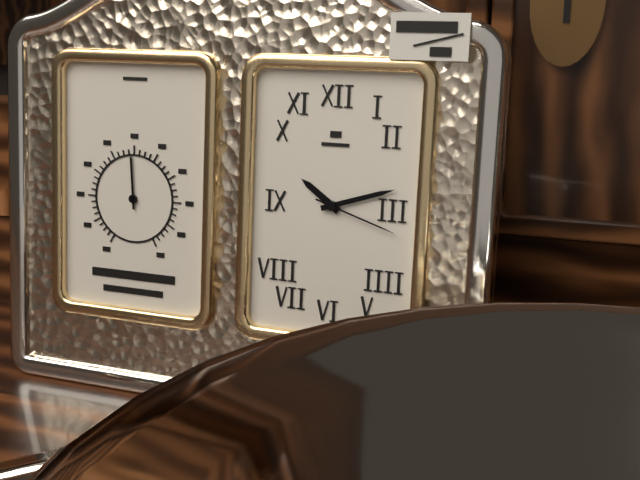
10:12:18
